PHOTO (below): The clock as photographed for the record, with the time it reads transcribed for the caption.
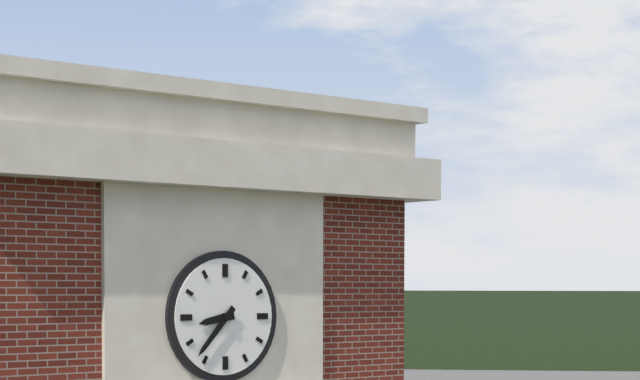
8:37
